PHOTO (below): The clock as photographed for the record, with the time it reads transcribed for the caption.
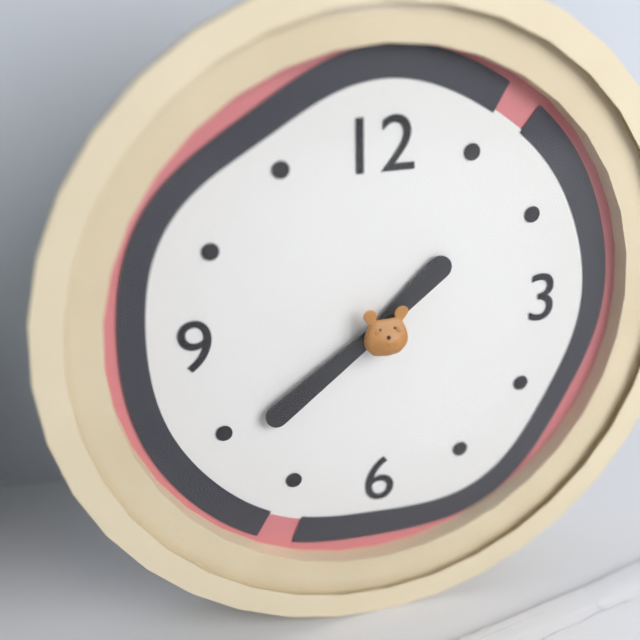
1:39
